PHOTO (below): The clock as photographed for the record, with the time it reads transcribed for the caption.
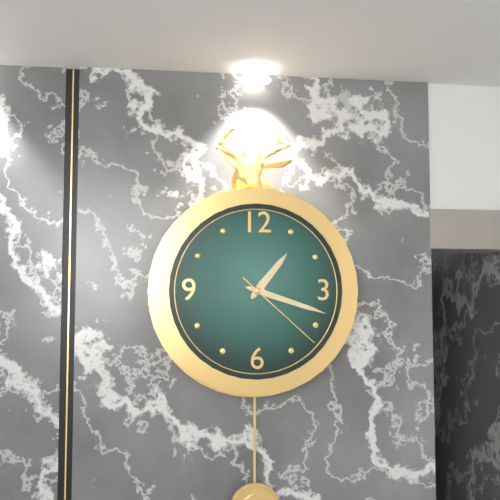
1:18:22
